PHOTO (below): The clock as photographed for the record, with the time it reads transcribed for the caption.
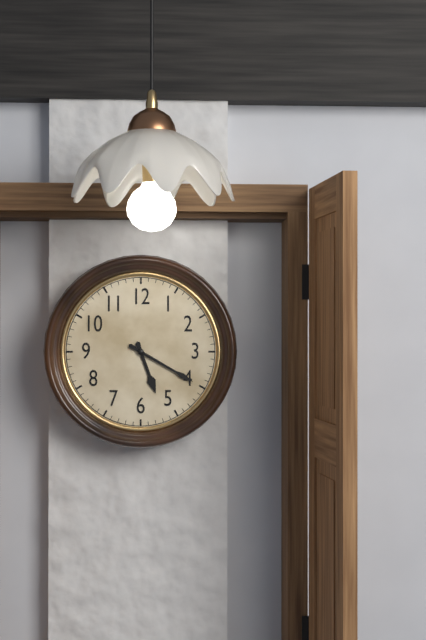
5:20
